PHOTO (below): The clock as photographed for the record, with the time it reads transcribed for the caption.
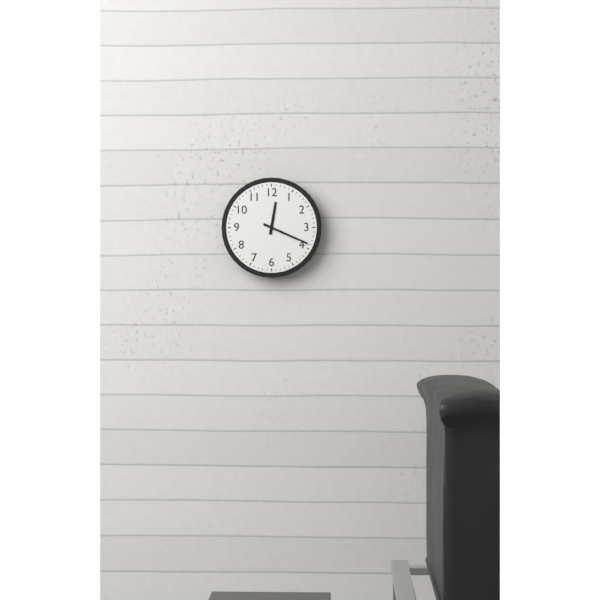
12:19
